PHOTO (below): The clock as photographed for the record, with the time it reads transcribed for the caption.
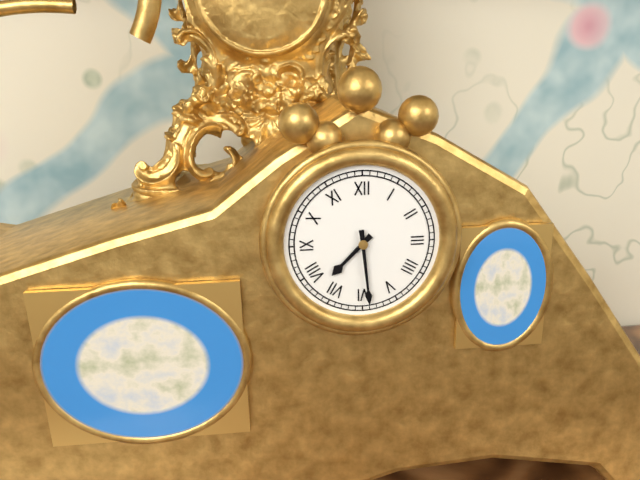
7:29
